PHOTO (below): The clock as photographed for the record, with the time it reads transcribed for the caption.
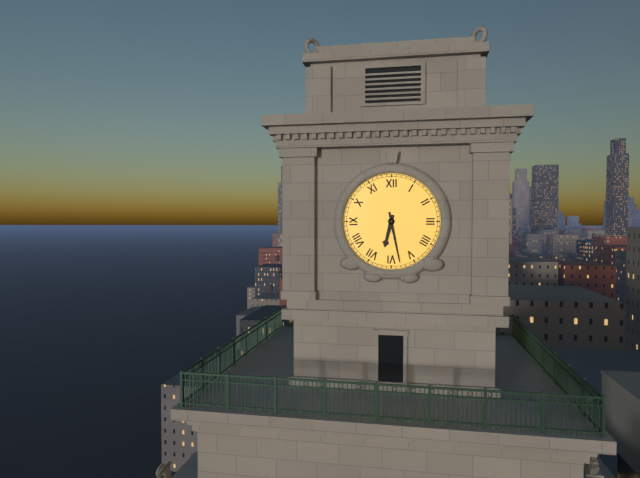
6:28
